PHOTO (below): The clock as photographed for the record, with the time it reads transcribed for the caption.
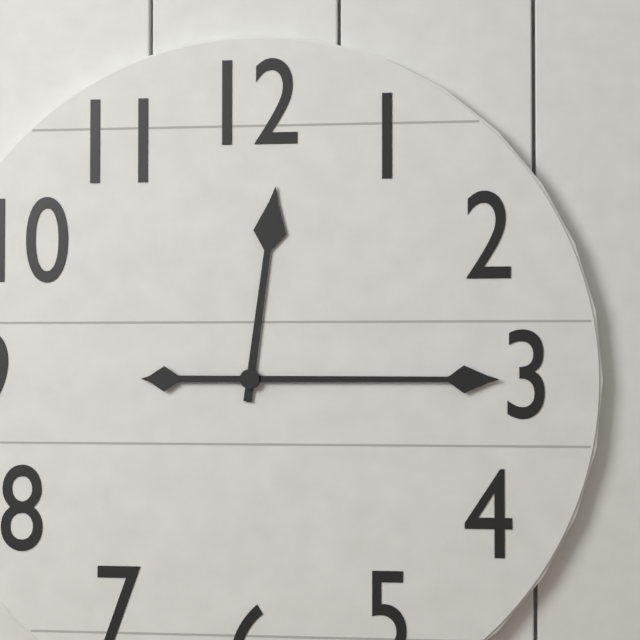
12:15
